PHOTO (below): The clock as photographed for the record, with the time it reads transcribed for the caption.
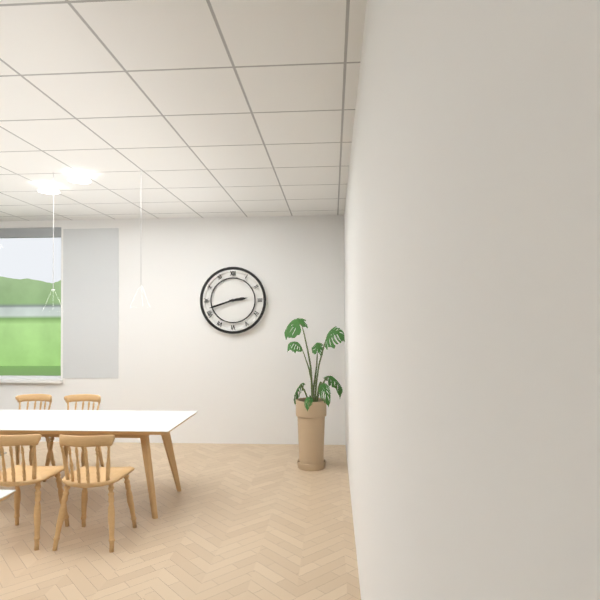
2:42
